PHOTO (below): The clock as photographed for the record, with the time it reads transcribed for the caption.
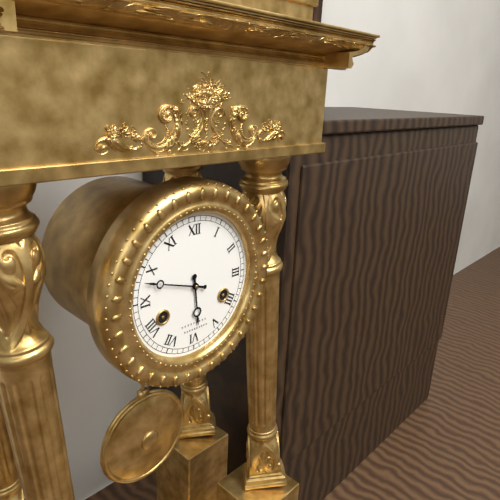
5:48
